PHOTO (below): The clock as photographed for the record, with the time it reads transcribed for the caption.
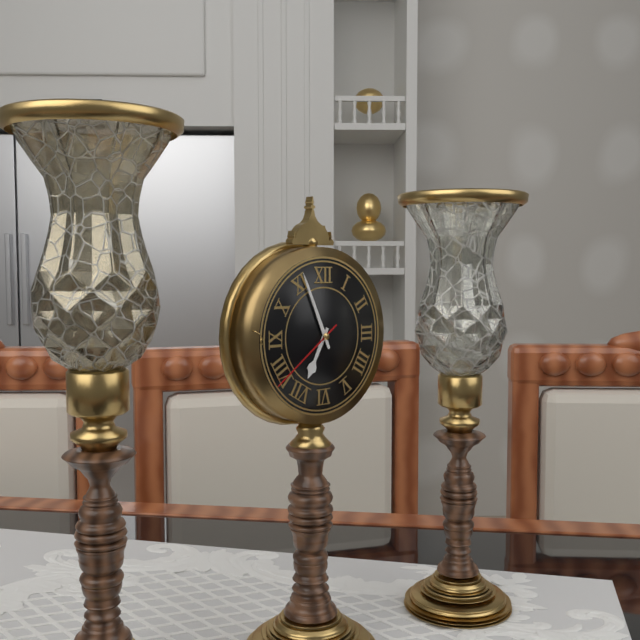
6:56:39
